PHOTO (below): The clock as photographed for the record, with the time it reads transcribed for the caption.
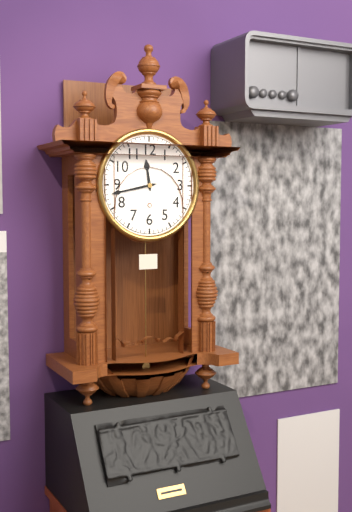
11:43
